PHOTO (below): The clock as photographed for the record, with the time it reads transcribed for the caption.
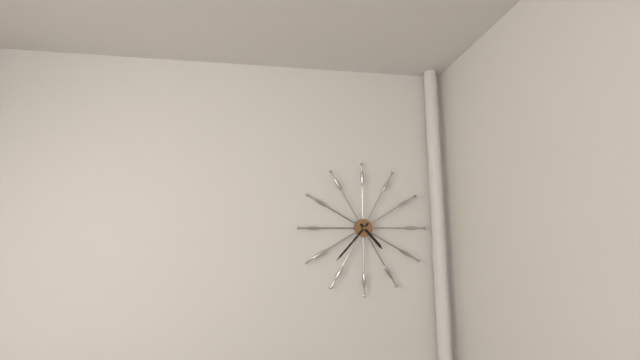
4:37
